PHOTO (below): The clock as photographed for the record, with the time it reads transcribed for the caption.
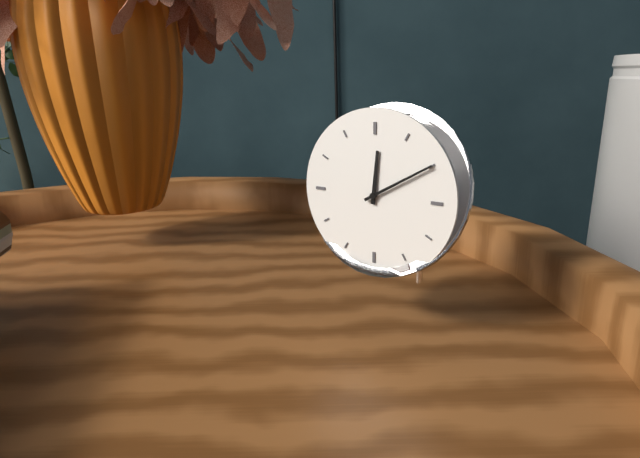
12:10
